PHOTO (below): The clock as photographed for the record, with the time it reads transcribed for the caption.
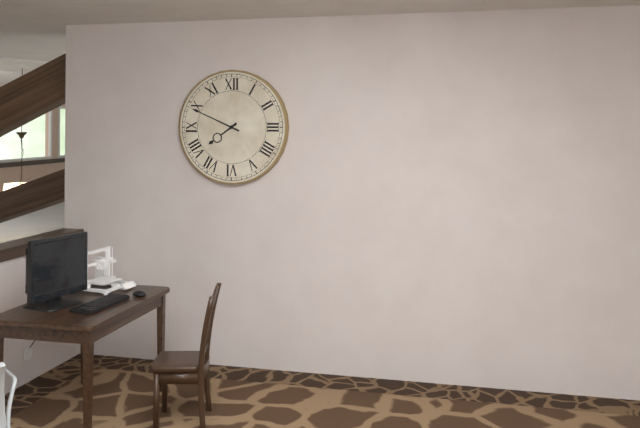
7:49
